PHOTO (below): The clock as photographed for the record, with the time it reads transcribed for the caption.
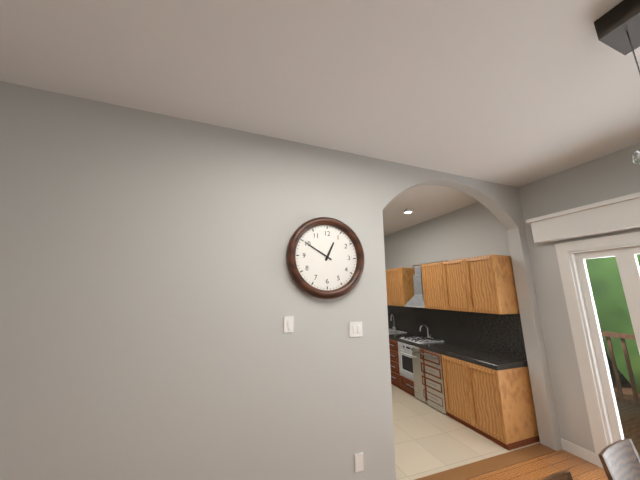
12:50
